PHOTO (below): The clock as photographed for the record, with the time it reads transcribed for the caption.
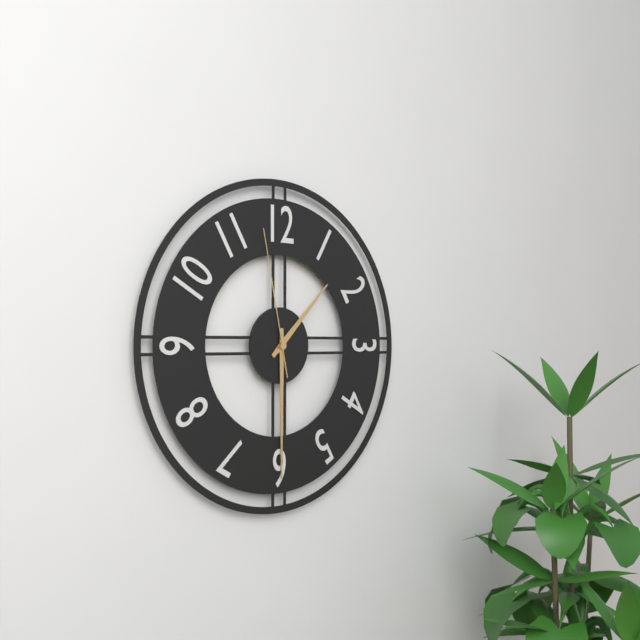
1:30:58
